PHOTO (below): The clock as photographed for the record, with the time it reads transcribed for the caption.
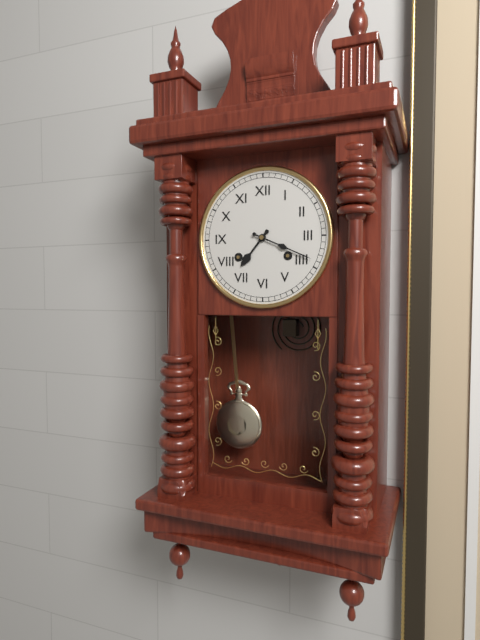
7:19
